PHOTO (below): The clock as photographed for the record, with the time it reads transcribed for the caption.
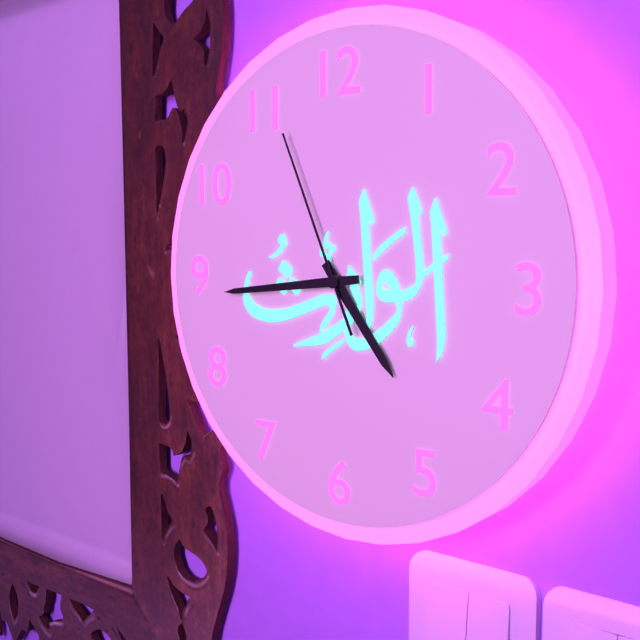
4:44:56
